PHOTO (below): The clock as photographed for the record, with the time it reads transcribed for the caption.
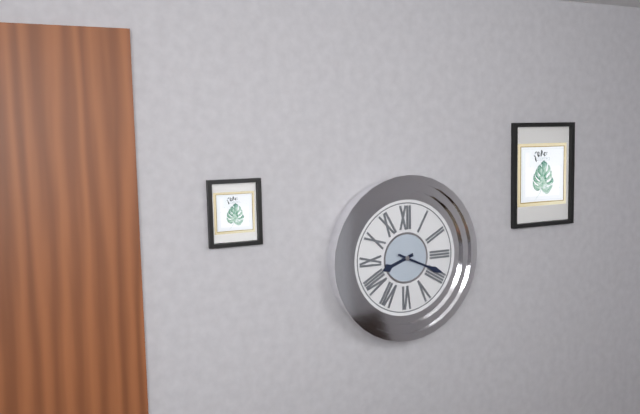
8:19
